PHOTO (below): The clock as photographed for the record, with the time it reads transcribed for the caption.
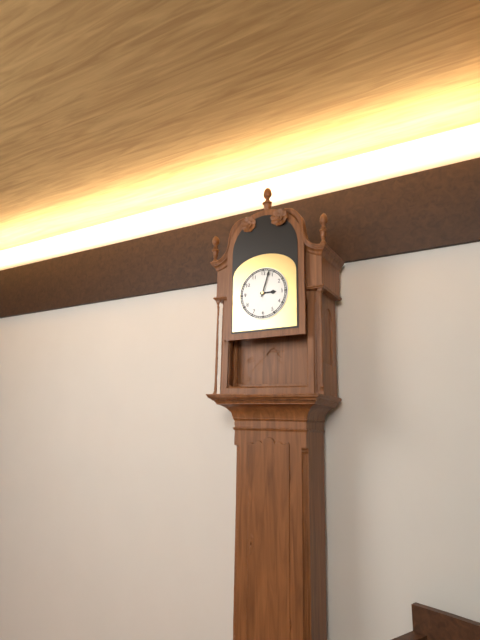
3:03
